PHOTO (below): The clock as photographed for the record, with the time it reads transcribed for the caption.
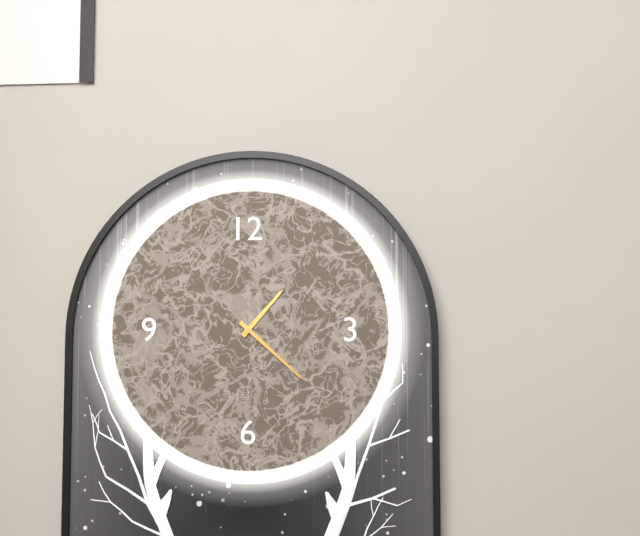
1:22
